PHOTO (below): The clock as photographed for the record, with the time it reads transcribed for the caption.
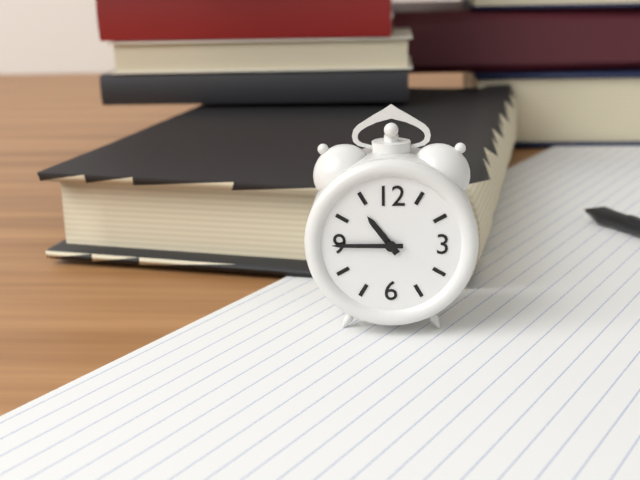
10:45
